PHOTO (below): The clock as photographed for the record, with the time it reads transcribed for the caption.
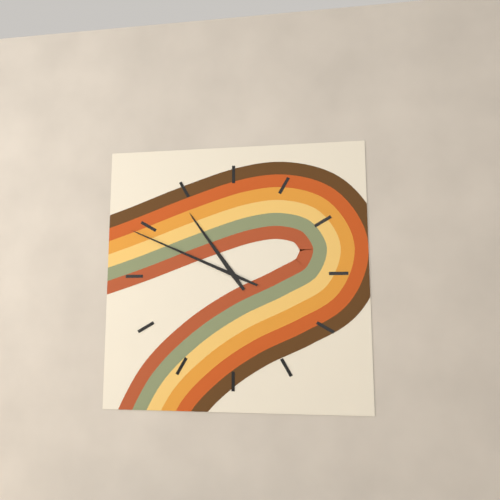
10:49
